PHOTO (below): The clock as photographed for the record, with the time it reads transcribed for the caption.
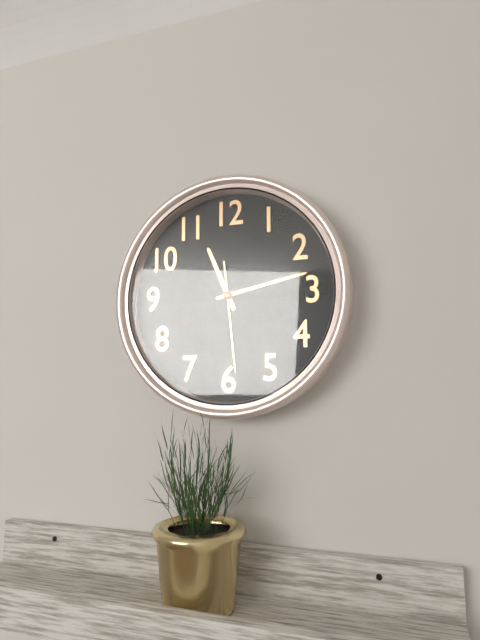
11:13:29
